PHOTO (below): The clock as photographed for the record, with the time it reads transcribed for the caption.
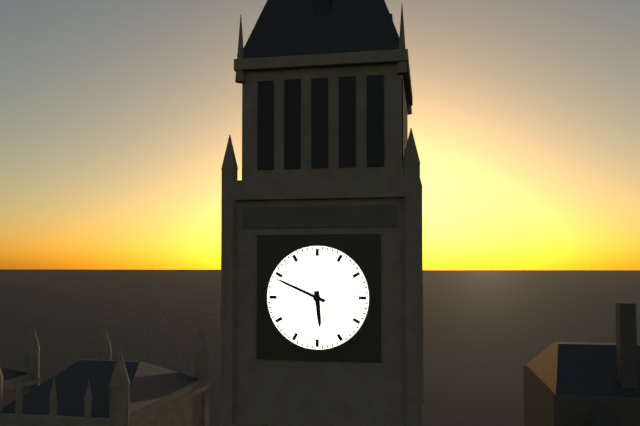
5:49
